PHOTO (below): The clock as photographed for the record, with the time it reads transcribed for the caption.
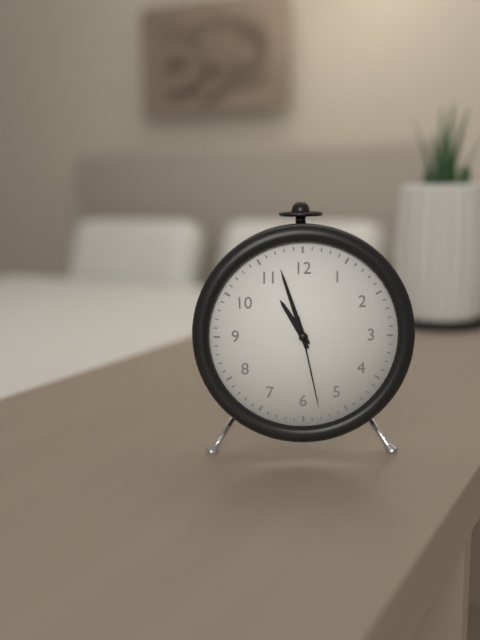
10:57:28
